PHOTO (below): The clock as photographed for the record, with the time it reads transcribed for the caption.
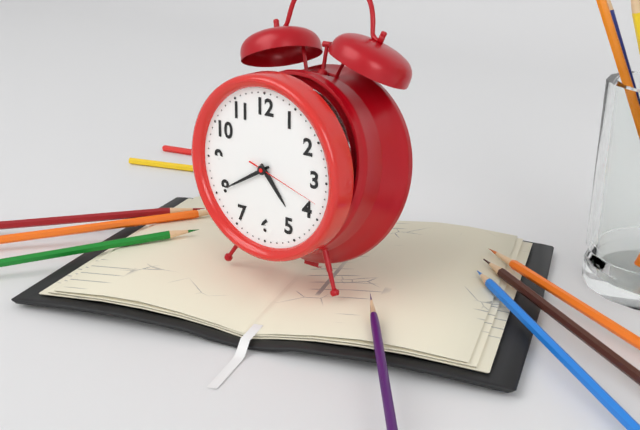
4:40:18
